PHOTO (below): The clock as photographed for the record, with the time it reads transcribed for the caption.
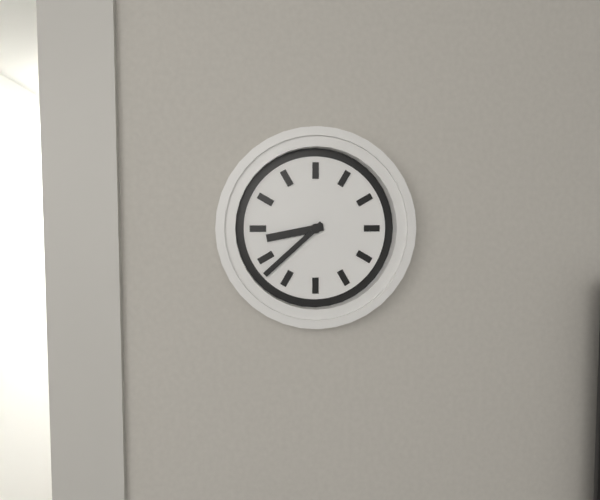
8:38
